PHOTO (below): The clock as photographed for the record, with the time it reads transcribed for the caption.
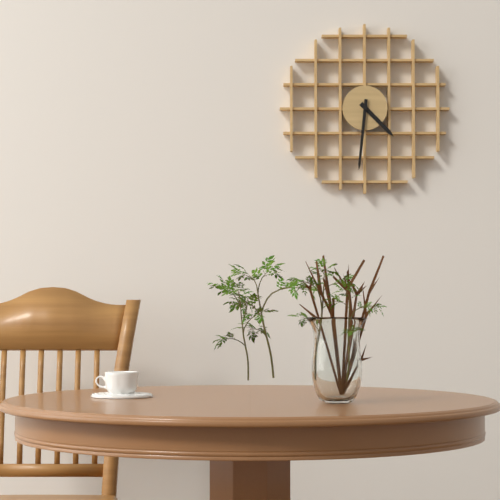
4:31
